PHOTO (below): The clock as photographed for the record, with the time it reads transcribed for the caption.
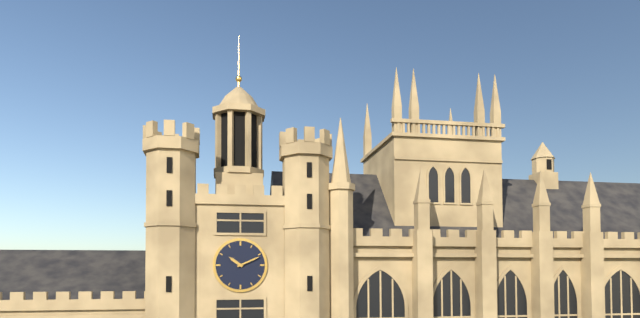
10:11
